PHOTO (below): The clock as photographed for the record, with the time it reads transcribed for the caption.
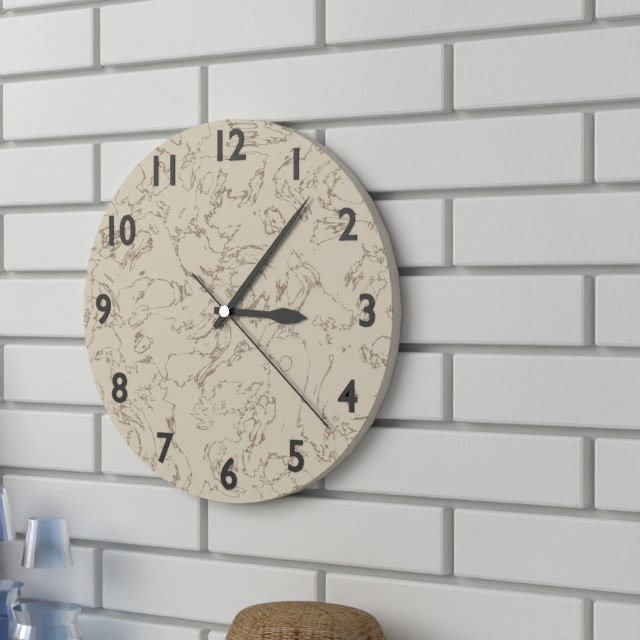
3:07:22
